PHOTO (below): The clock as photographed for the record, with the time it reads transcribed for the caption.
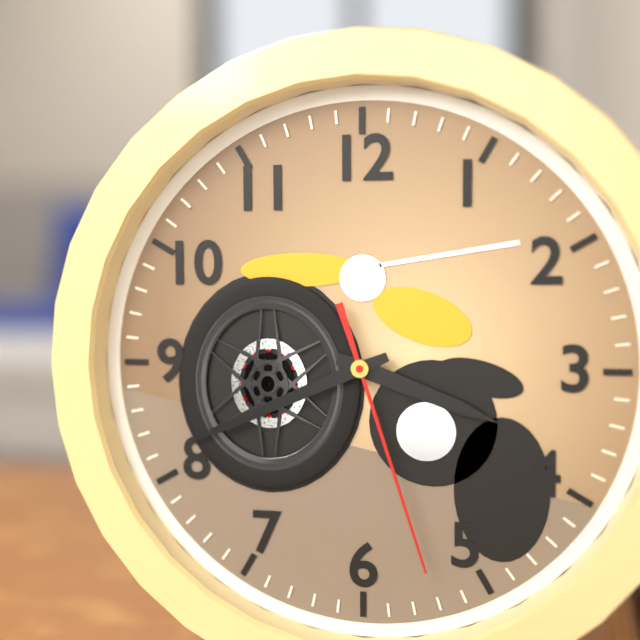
3:41:27
